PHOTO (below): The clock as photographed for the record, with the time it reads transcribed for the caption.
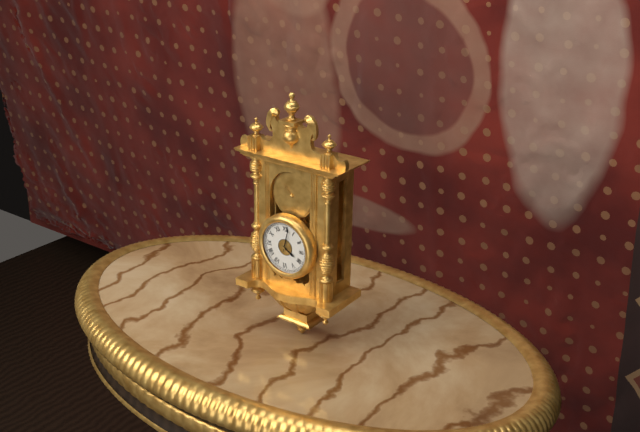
4:02
